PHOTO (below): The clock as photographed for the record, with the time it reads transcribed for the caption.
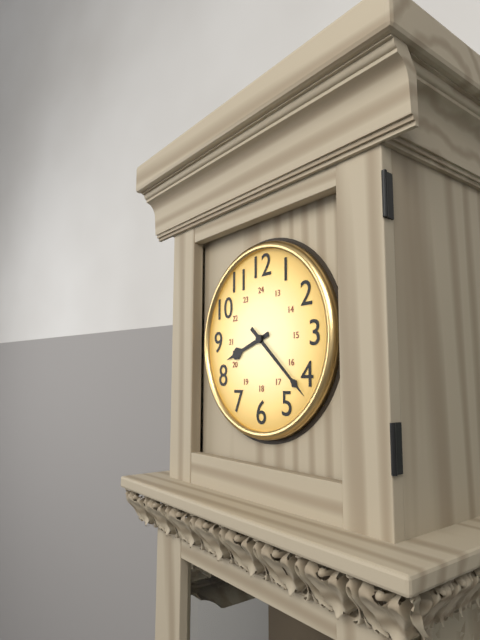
8:22
